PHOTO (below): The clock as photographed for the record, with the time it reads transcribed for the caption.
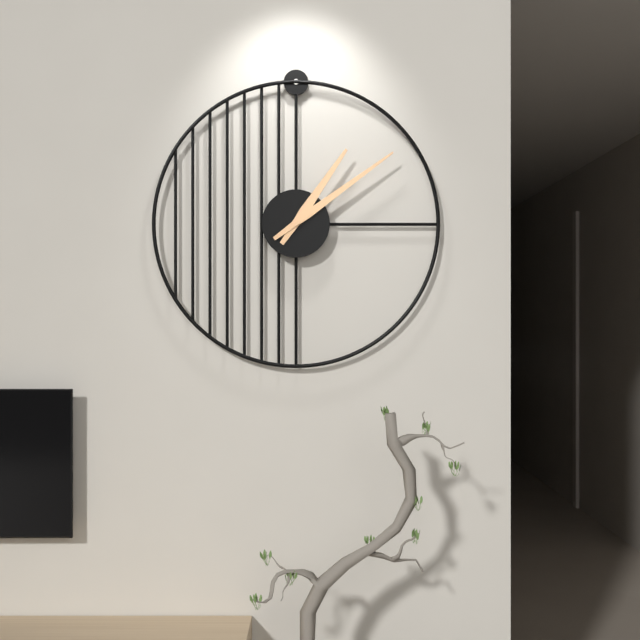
1:09
